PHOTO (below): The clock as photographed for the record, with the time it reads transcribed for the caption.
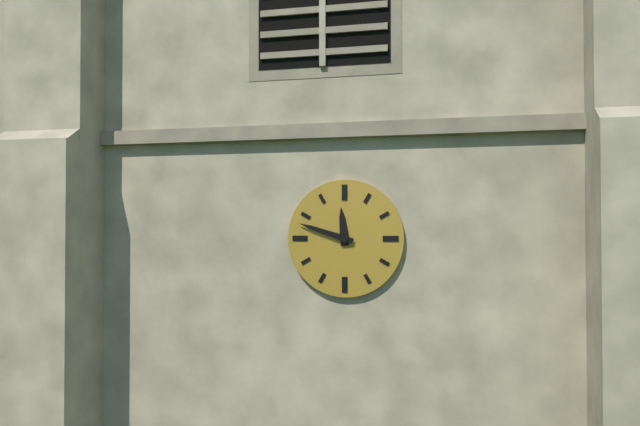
11:48
